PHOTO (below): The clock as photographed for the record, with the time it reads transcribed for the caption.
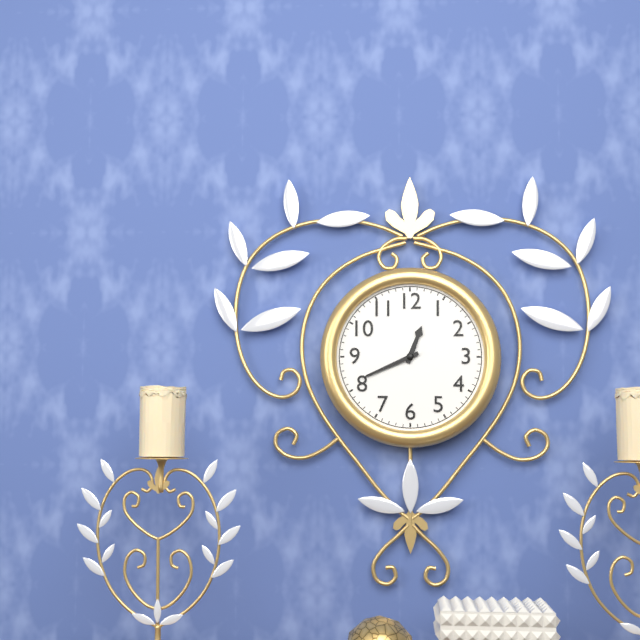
12:41
